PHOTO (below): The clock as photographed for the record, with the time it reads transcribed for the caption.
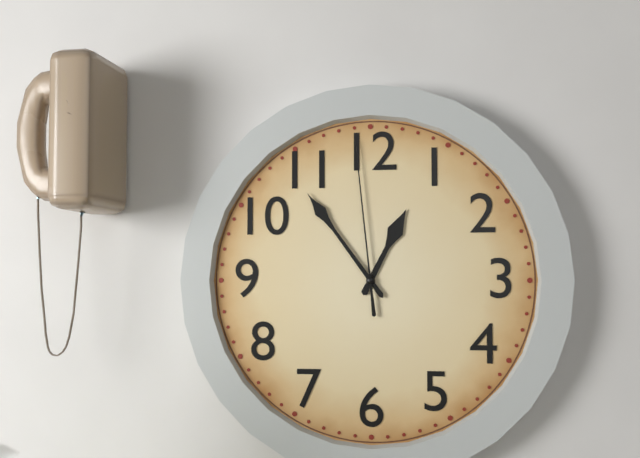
12:54:59
